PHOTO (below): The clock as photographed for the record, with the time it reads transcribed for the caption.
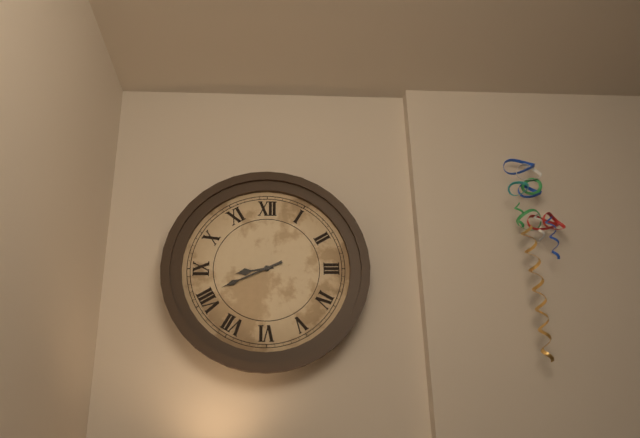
8:41
